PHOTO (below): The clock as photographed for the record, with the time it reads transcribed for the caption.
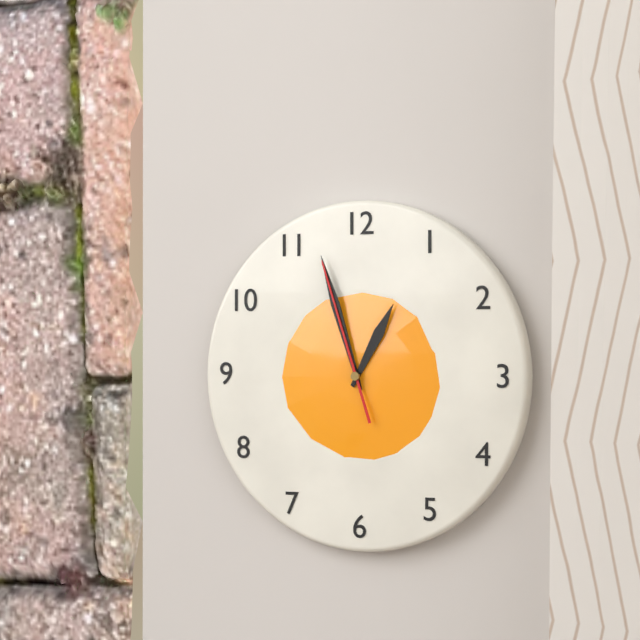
12:57:57
